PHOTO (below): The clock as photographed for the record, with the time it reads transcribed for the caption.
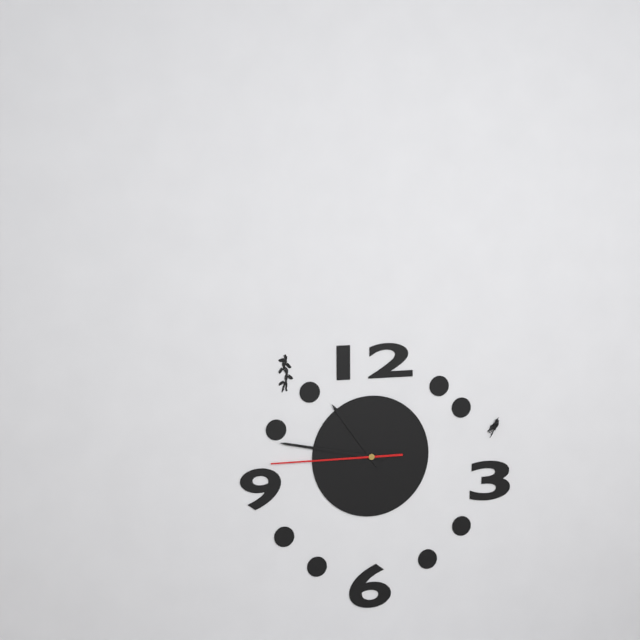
10:47:45
